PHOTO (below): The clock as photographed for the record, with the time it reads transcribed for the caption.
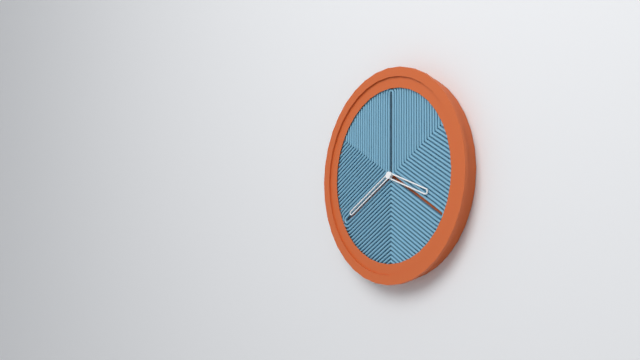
3:40
